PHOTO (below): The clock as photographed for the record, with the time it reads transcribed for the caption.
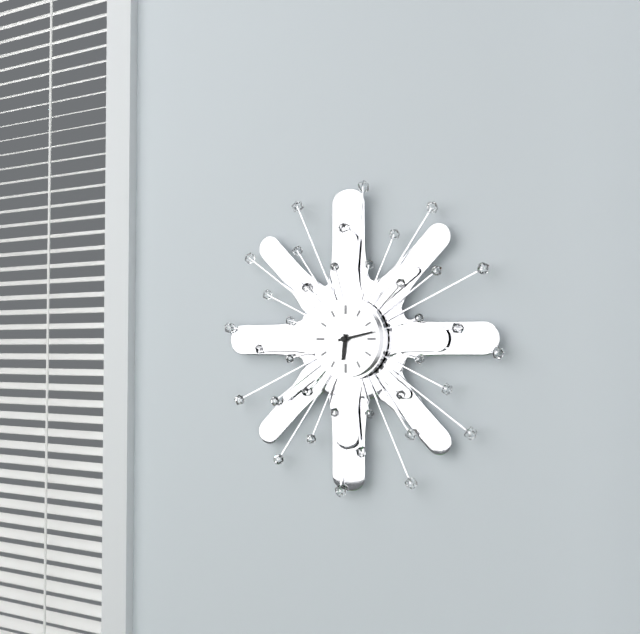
6:13
